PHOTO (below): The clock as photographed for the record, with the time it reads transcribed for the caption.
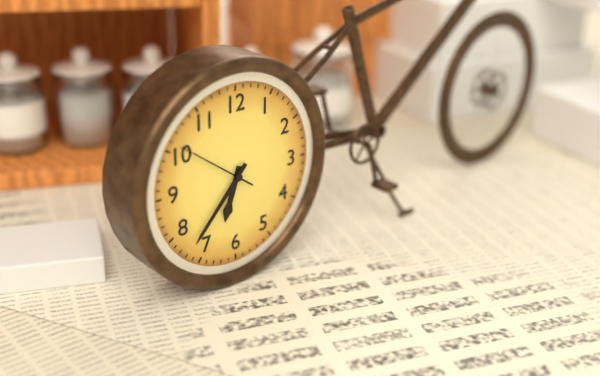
6:37:51
